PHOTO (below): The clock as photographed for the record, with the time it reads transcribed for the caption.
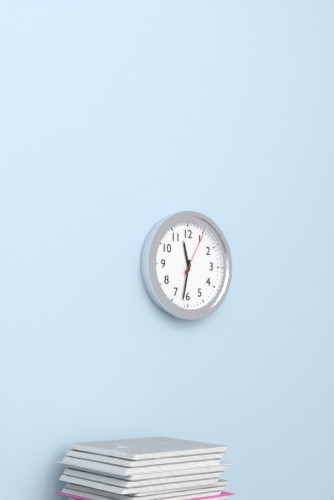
11:32
